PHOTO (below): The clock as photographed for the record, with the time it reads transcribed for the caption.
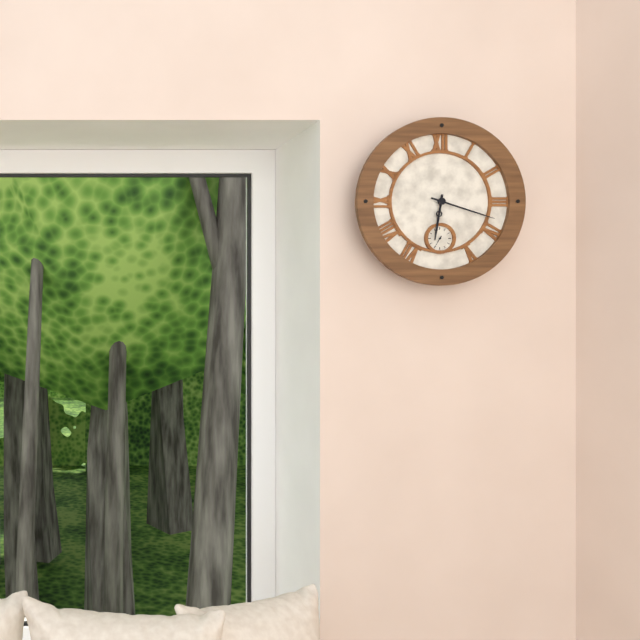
6:18
